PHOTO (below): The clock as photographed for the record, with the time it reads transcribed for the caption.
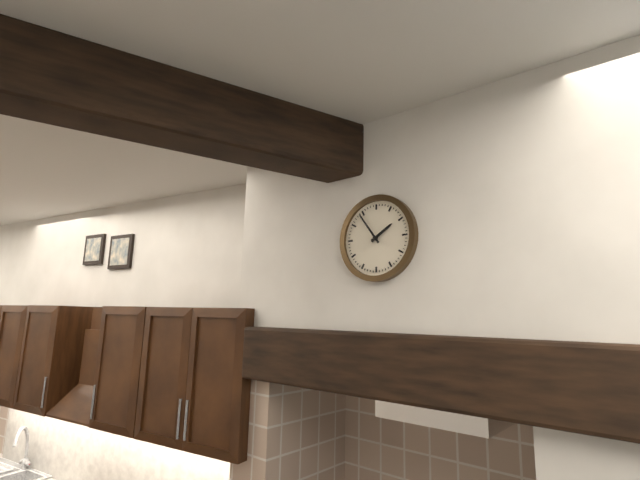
1:54
